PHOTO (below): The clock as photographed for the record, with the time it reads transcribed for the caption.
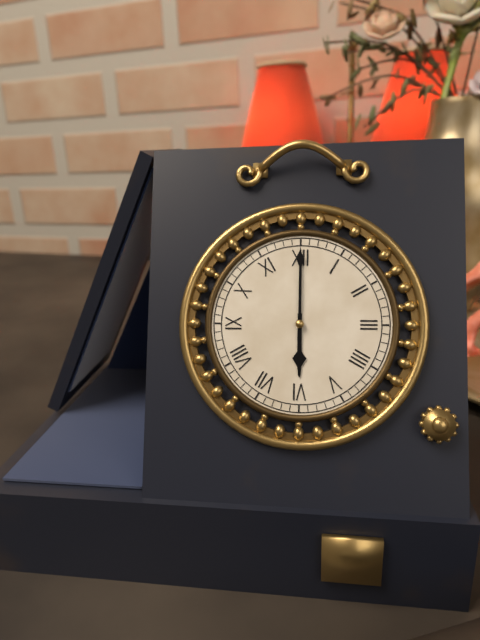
6:00
